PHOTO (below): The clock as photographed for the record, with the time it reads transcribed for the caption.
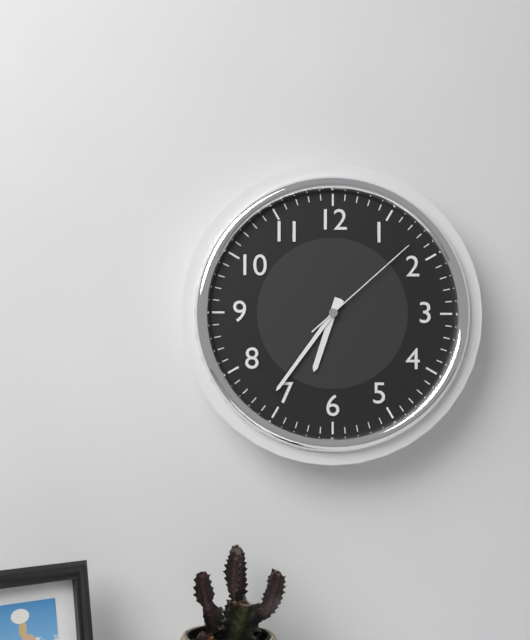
6:36:08
